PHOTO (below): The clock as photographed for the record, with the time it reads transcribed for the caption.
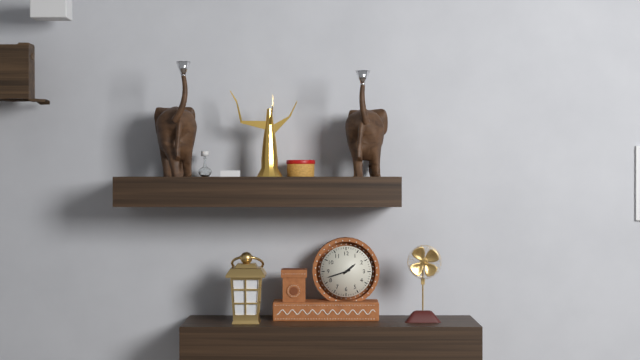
1:42
